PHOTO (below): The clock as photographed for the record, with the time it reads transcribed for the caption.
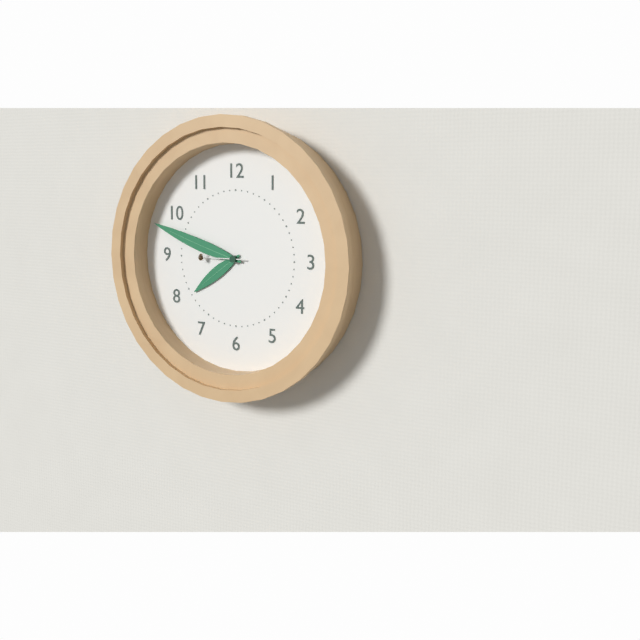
7:48
